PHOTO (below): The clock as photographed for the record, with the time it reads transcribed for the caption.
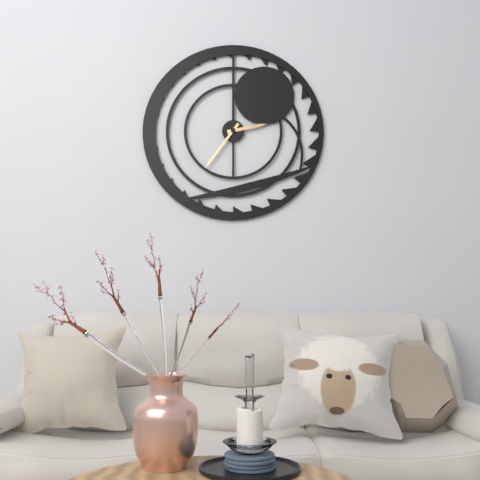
2:36
